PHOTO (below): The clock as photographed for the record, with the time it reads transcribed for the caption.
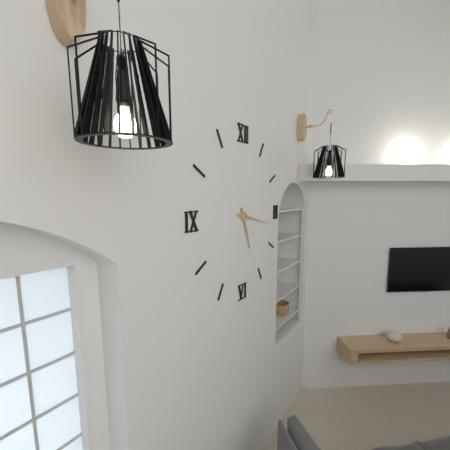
5:17
